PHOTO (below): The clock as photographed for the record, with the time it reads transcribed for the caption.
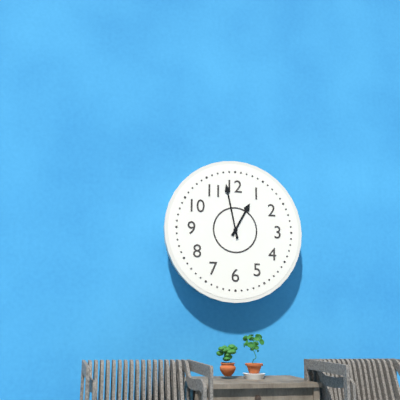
12:58
